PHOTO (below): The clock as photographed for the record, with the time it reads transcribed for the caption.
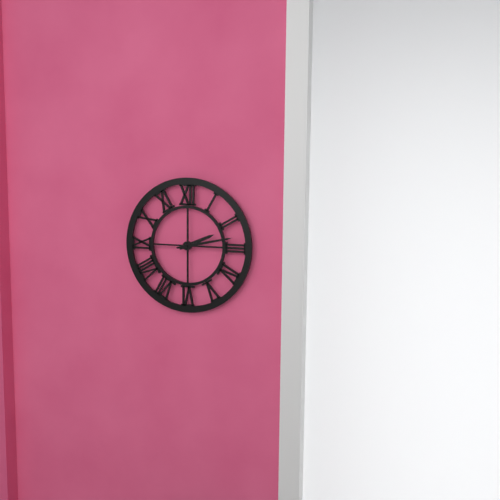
2:13
